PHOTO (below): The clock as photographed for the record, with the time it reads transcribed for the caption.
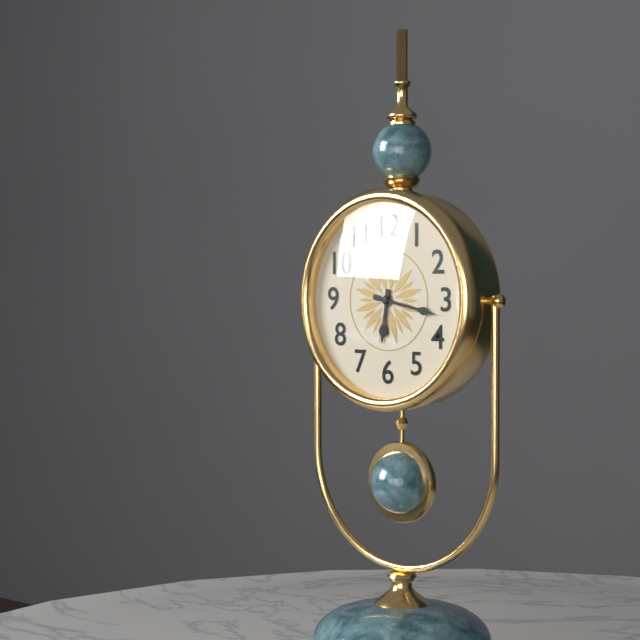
6:17
